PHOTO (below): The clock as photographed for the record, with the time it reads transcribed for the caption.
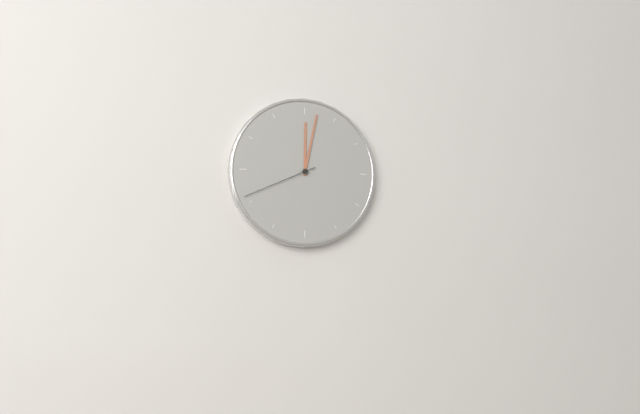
12:02:41
